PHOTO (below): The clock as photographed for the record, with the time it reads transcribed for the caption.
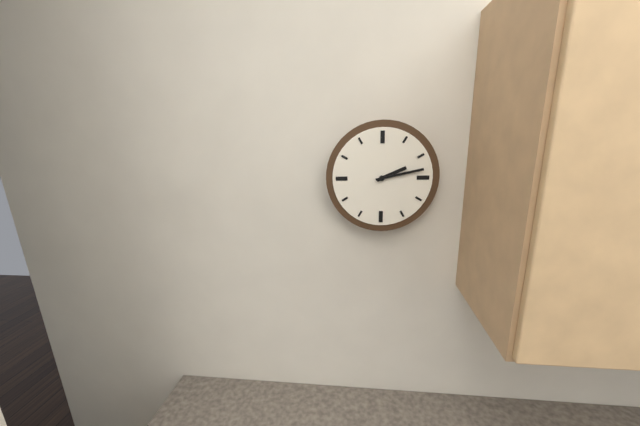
2:13
